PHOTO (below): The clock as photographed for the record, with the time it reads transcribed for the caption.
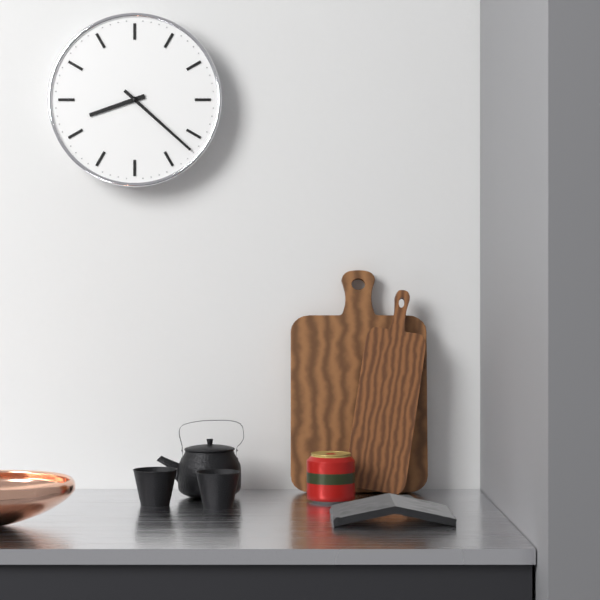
8:22
